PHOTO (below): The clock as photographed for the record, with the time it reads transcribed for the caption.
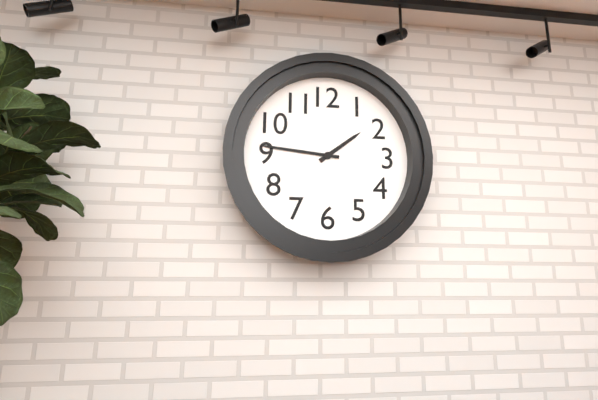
1:46
